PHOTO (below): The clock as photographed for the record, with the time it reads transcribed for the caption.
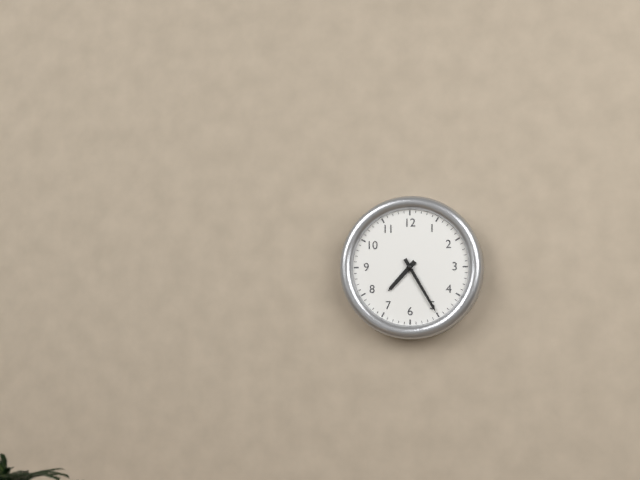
7:25
